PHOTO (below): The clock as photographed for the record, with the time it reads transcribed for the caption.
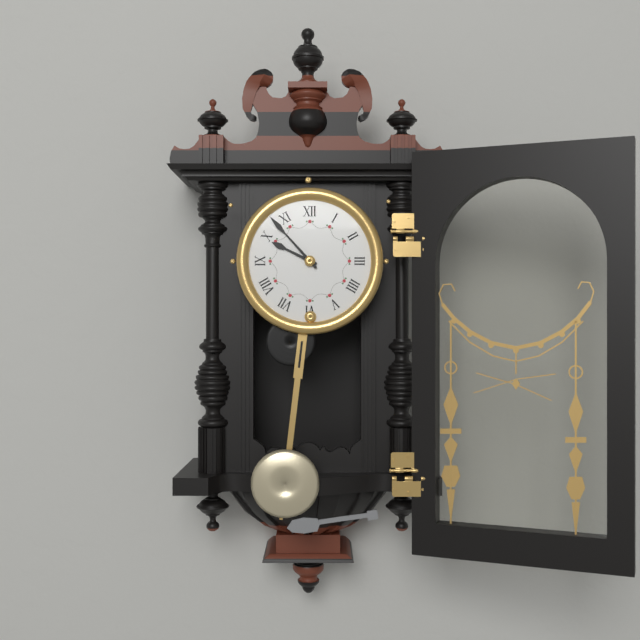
9:53
